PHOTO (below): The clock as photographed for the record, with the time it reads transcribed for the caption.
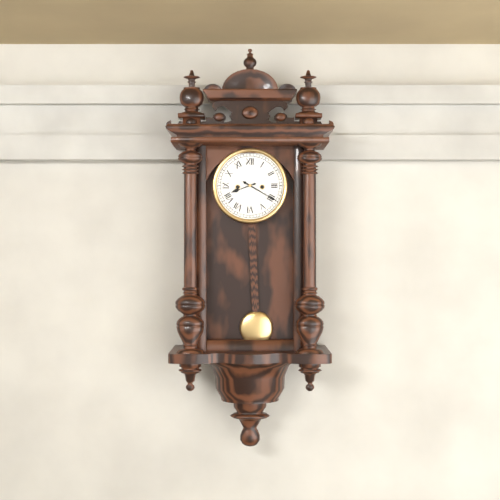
8:20
